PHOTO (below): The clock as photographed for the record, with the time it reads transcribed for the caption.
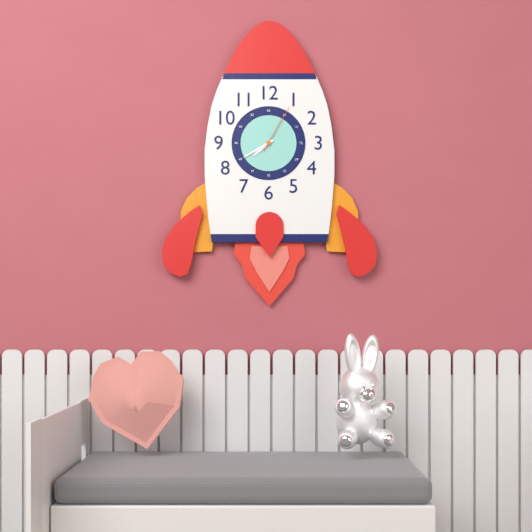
7:40:05
